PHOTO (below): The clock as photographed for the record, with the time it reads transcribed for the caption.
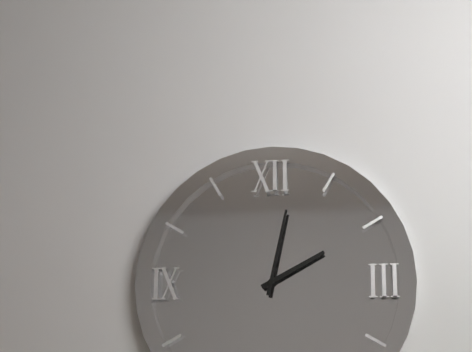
2:02
